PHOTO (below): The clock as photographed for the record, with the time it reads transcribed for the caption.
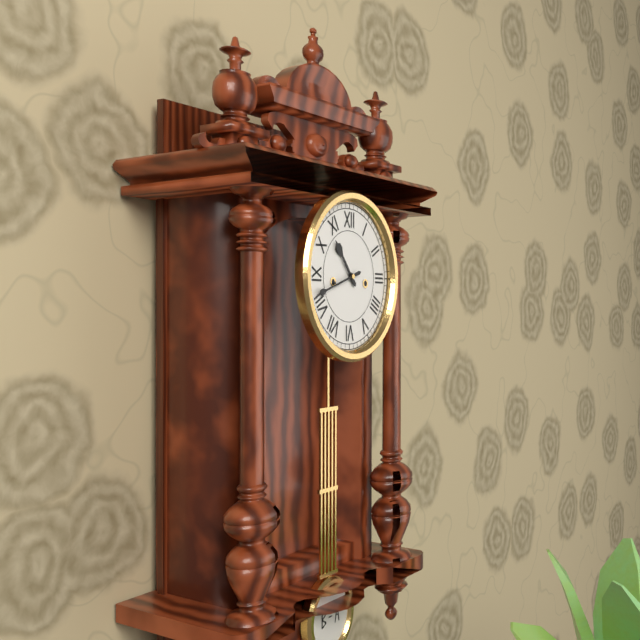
10:42
